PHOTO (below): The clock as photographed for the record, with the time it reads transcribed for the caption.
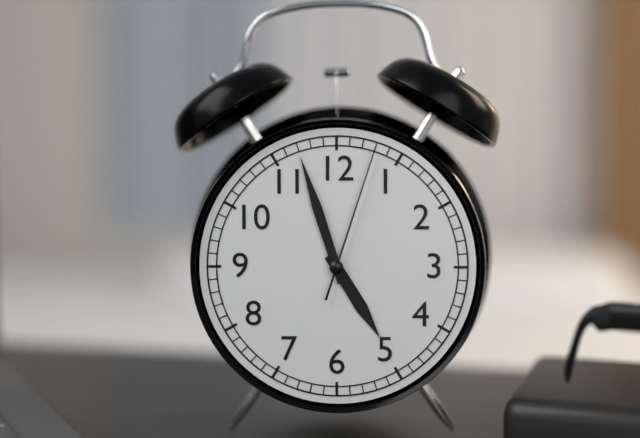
4:57:03
